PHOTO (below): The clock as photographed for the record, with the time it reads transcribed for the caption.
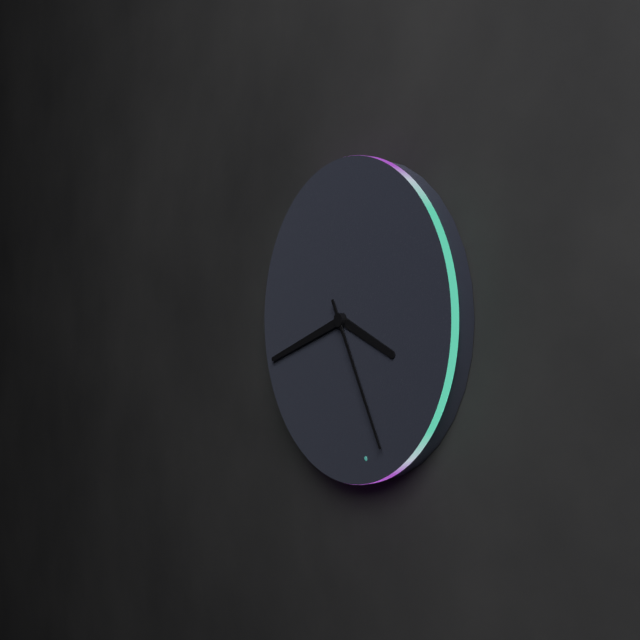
3:42:25
